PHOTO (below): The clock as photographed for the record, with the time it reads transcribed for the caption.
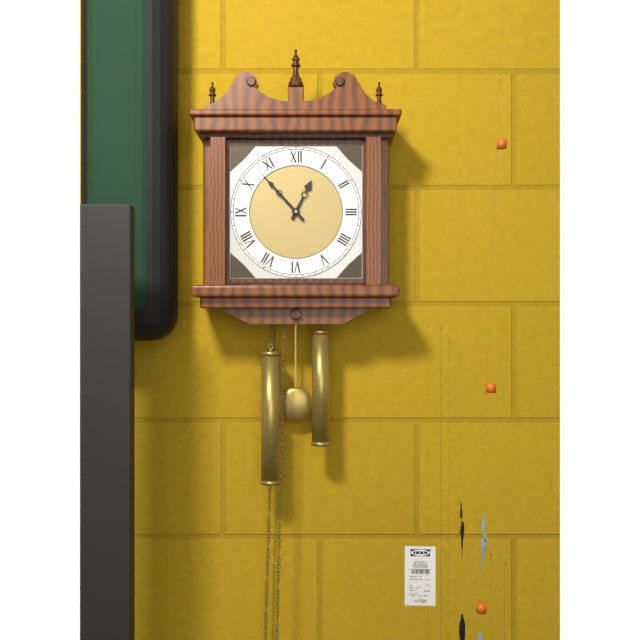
12:53
